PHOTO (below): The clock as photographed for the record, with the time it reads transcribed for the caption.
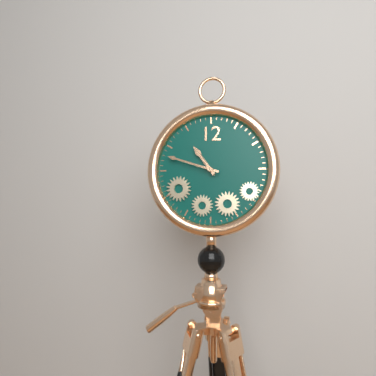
10:48
